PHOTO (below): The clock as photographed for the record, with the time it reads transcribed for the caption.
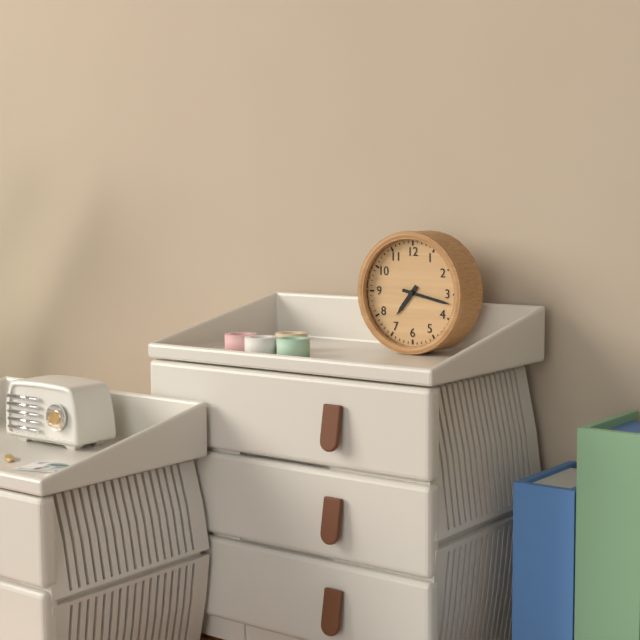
7:17
